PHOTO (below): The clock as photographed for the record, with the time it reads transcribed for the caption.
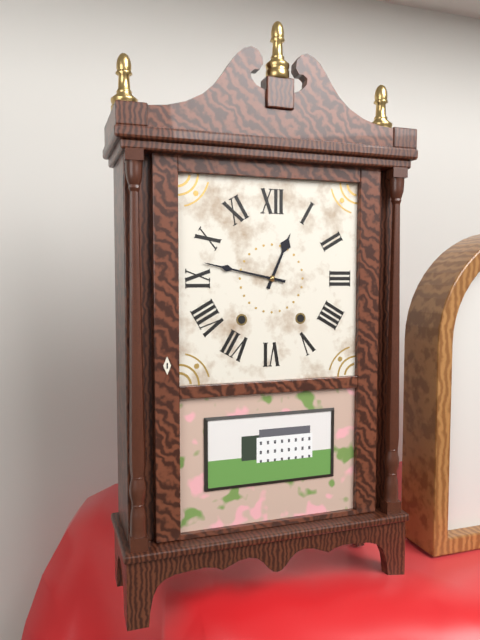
12:47
